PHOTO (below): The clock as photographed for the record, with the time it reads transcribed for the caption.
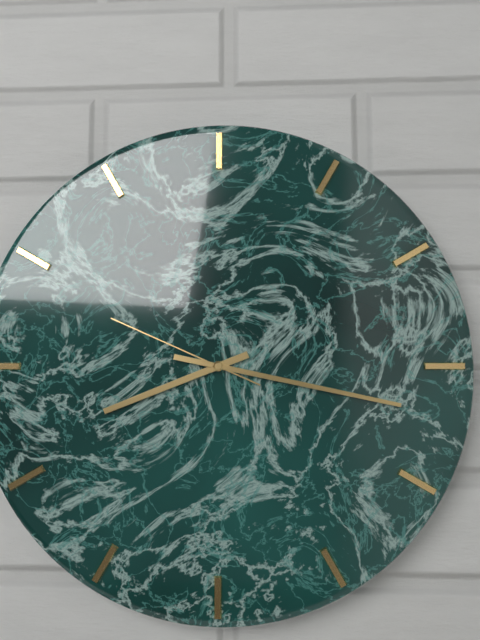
8:17:49
